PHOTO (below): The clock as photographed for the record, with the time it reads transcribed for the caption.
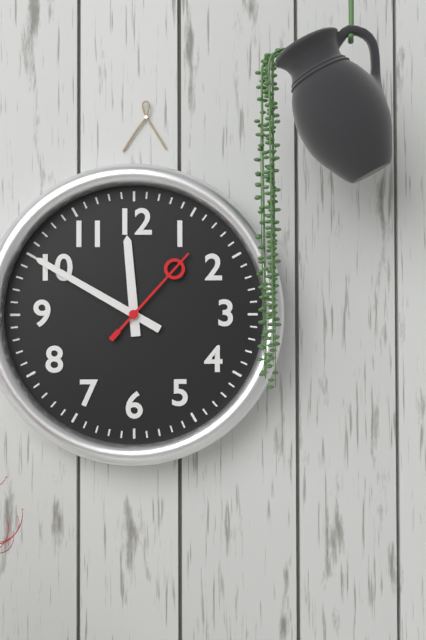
11:50:07
